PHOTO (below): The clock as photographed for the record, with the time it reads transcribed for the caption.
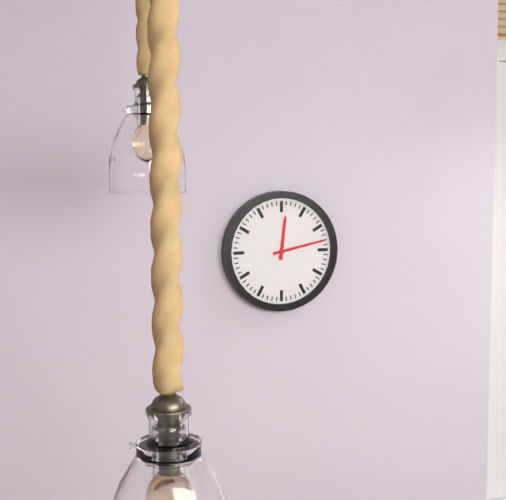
12:13
